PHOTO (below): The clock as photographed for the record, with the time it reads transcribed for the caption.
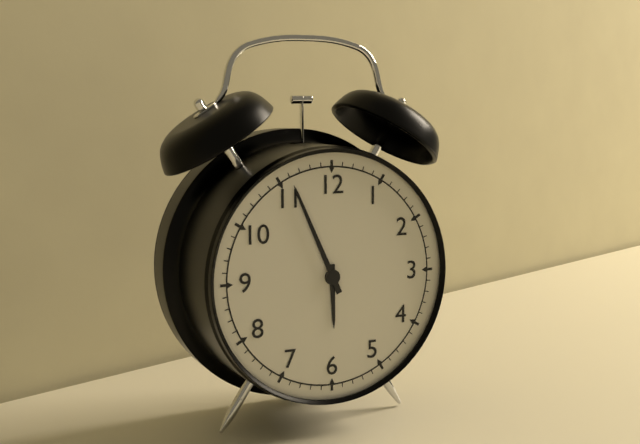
5:56
